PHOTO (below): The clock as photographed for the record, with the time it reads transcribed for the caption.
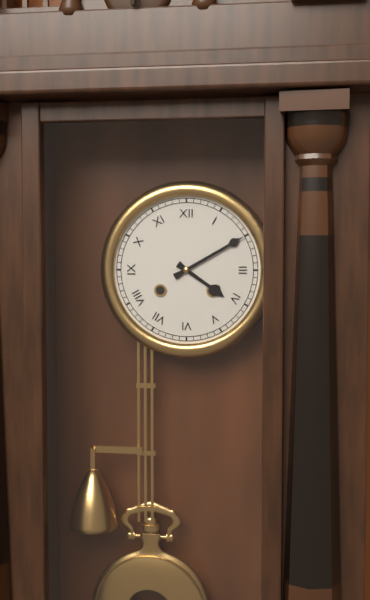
4:10
